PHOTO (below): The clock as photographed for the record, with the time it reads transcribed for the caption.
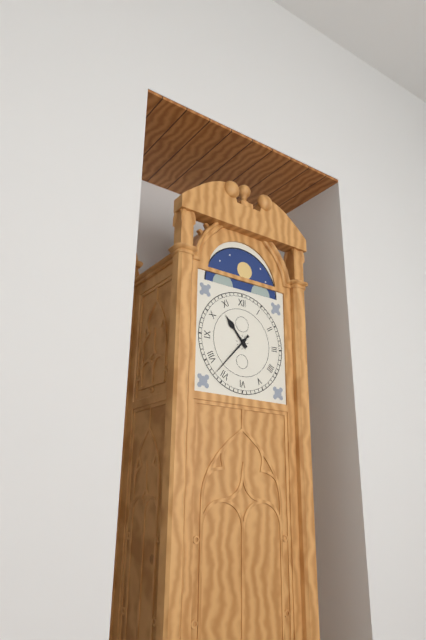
10:37
